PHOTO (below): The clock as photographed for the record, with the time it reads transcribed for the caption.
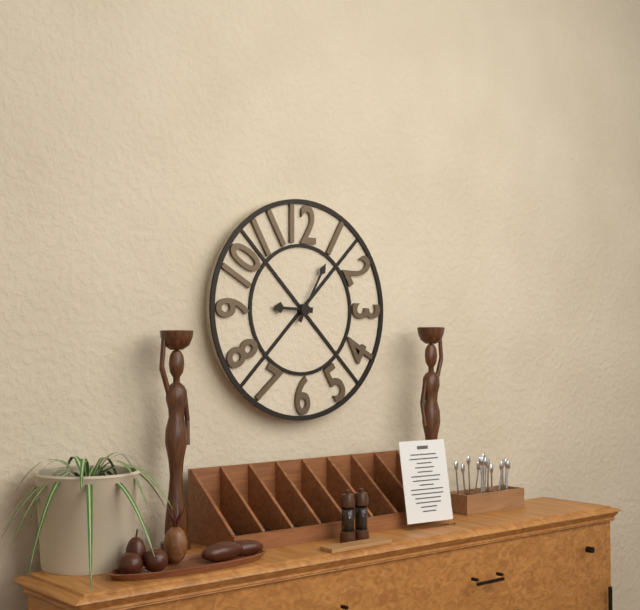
9:05
